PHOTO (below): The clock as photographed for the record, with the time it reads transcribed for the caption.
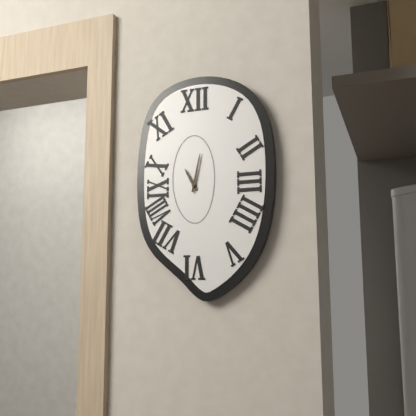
11:02
